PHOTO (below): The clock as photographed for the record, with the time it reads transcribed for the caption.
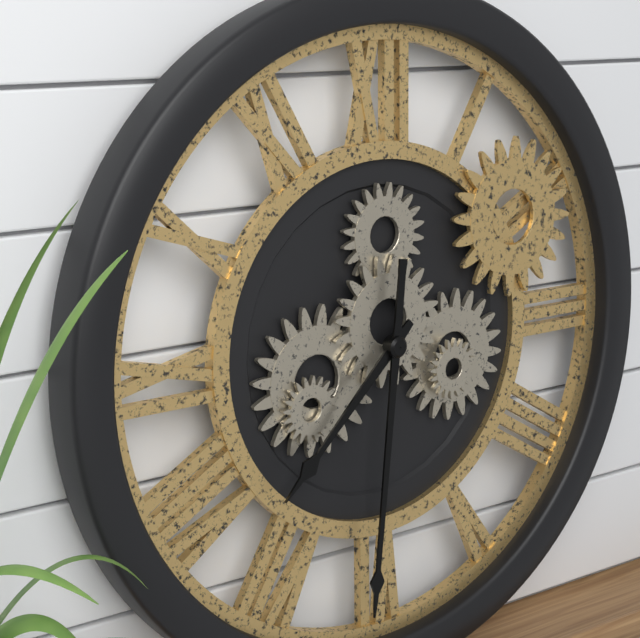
7:31
